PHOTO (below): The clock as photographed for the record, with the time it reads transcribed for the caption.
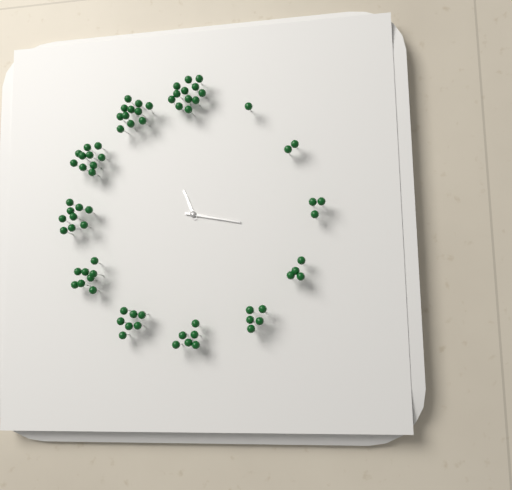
11:17
